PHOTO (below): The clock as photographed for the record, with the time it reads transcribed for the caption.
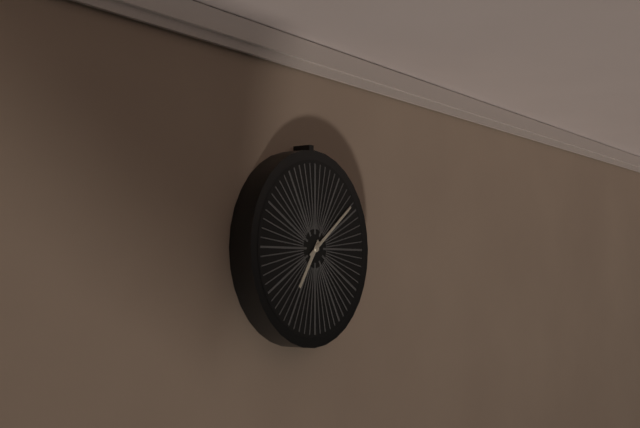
7:09
